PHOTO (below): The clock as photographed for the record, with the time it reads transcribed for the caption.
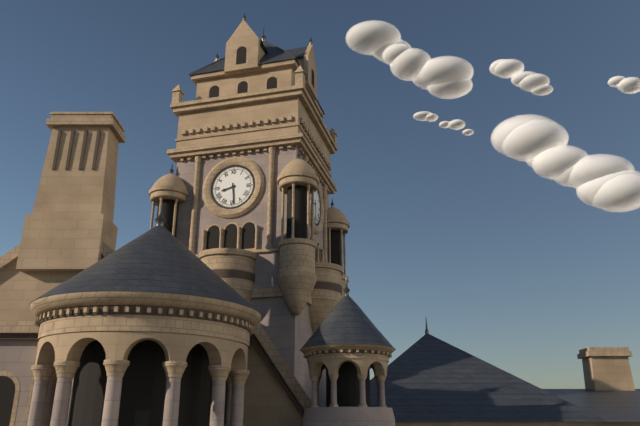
8:29
